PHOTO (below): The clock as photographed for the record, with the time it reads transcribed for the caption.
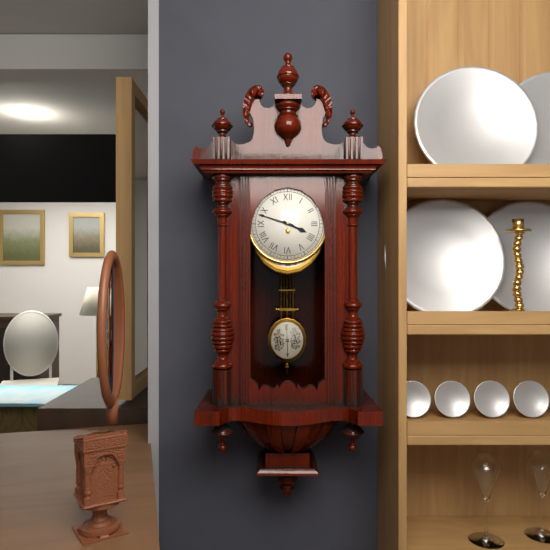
3:48
